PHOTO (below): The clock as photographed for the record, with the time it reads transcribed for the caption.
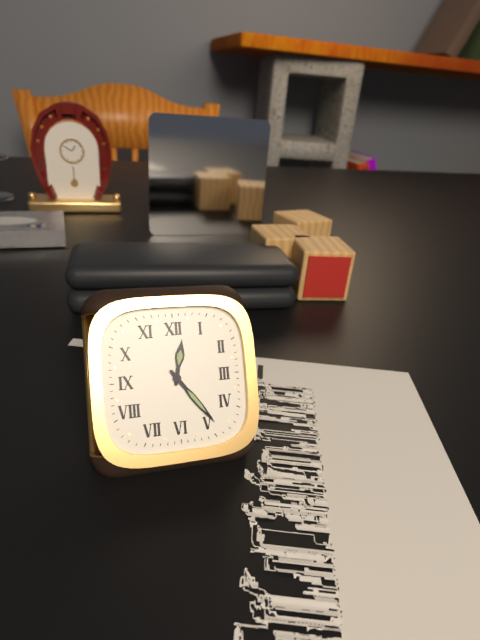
12:24
